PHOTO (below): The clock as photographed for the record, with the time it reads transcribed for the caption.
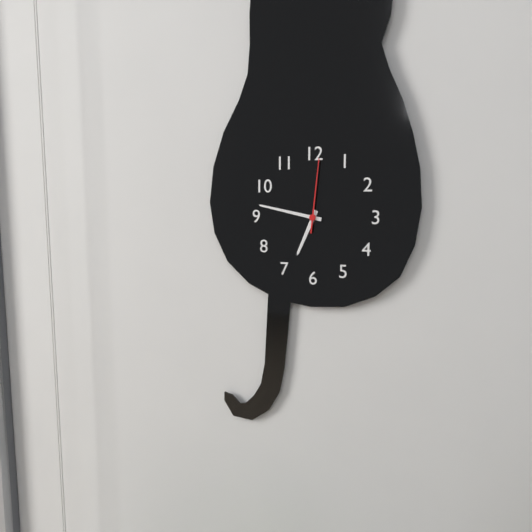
6:47:01
